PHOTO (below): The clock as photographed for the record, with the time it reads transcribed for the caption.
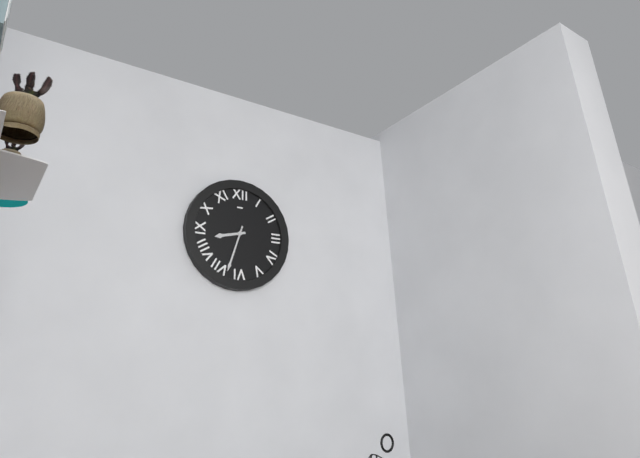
8:33
